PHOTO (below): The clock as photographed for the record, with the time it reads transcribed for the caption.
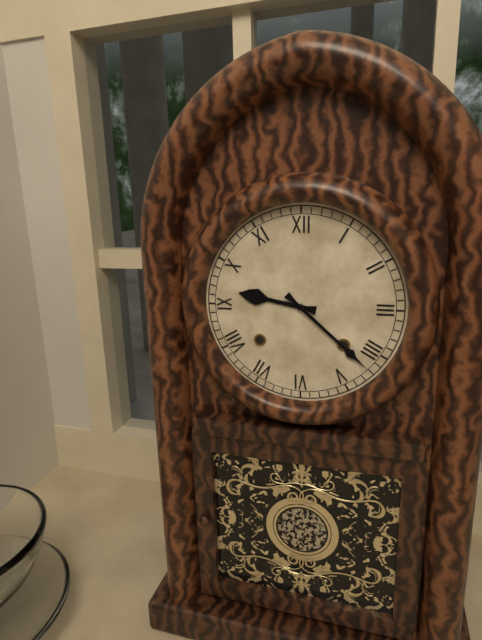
9:22
